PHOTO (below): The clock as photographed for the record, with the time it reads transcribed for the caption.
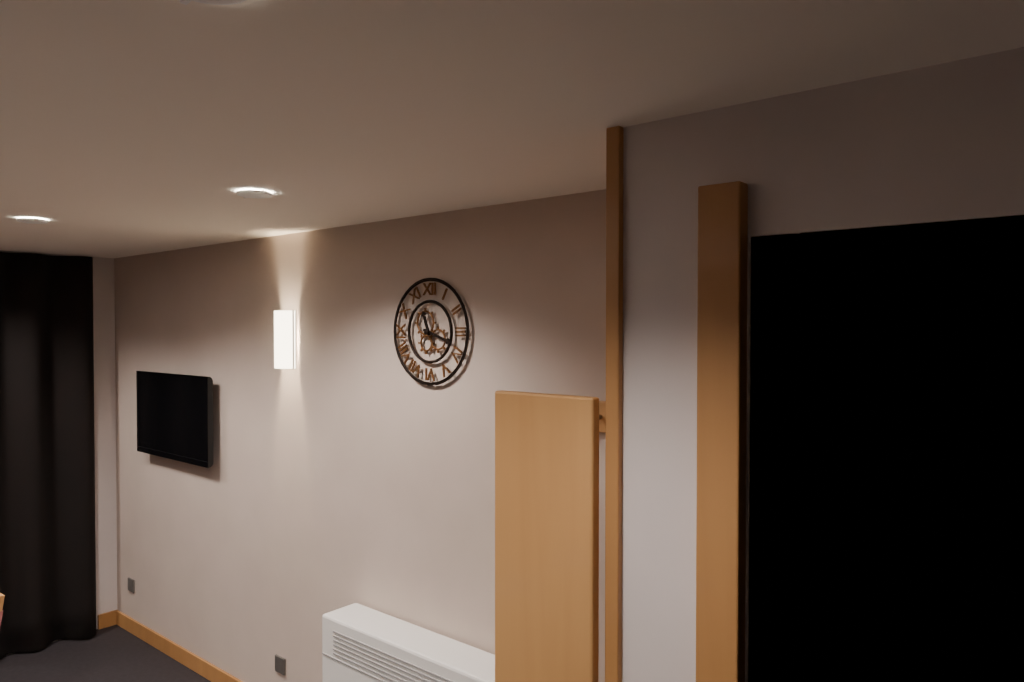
11:18
